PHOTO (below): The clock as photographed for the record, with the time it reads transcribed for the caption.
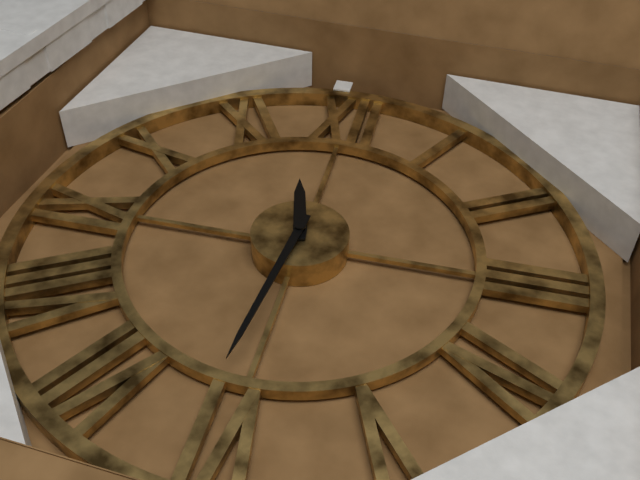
11:31
